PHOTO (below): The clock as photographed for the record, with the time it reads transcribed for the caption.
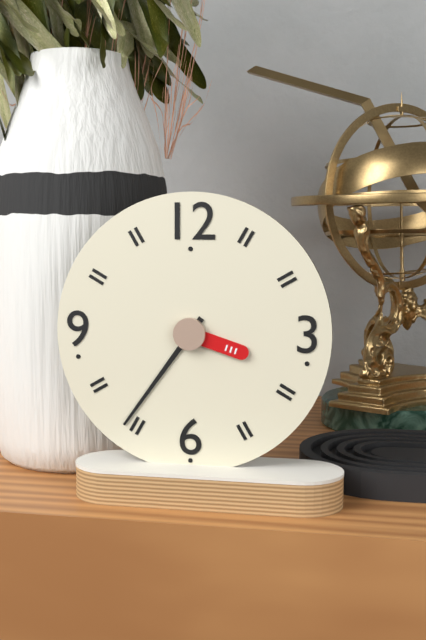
3:36
